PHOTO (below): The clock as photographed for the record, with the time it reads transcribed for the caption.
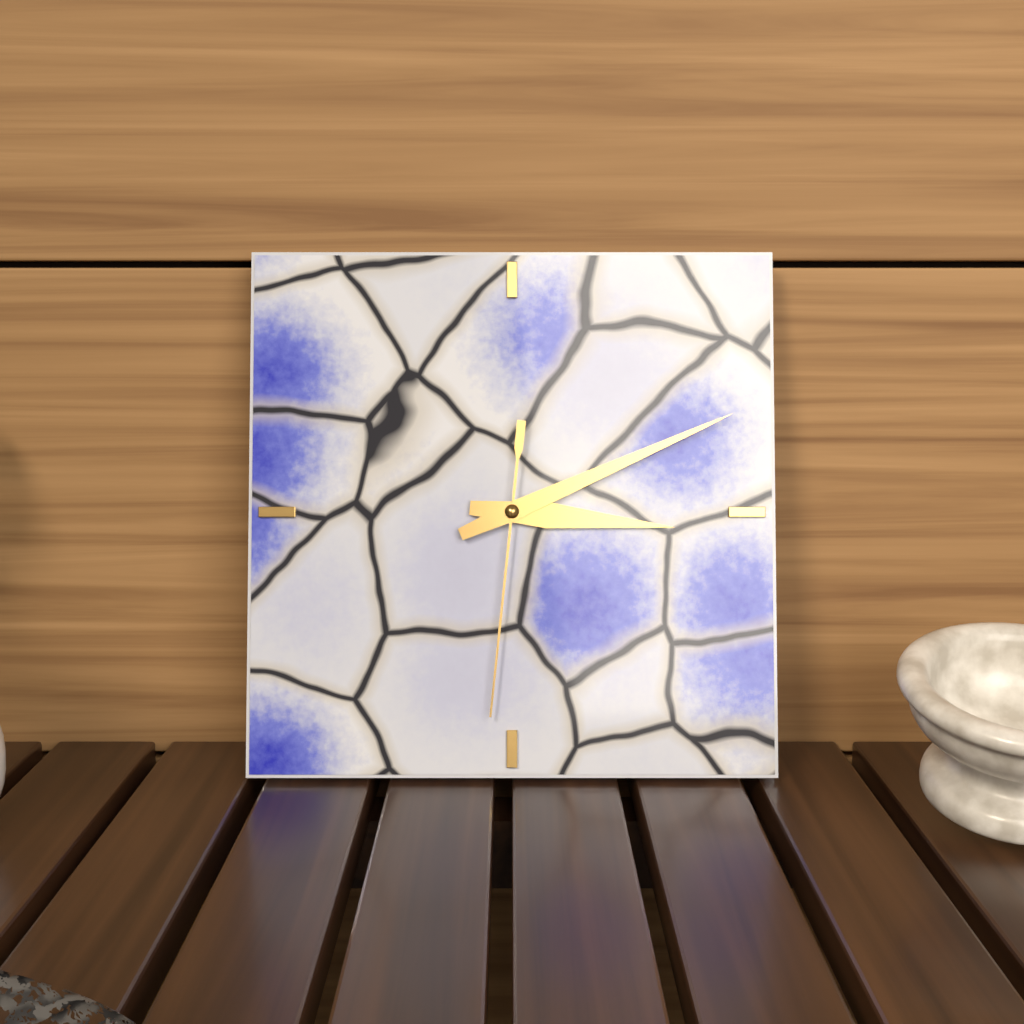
3:11:31
